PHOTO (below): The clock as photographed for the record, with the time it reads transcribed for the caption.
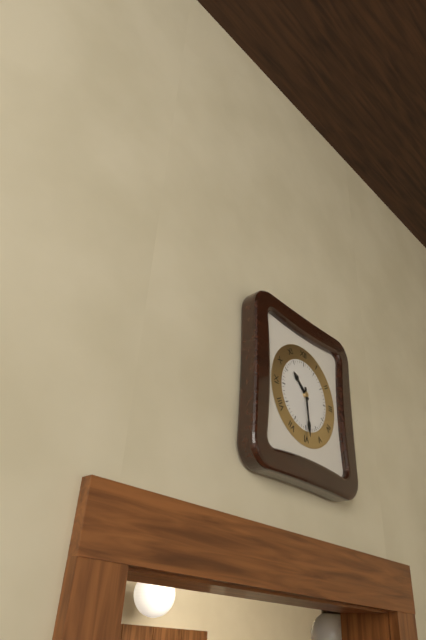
10:29
